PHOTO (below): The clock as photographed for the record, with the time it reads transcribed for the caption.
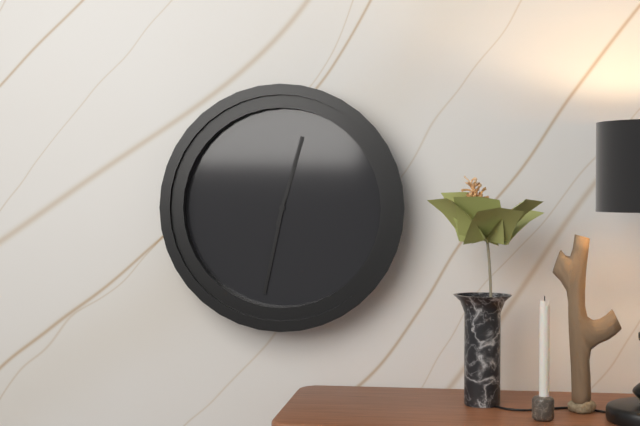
12:32
